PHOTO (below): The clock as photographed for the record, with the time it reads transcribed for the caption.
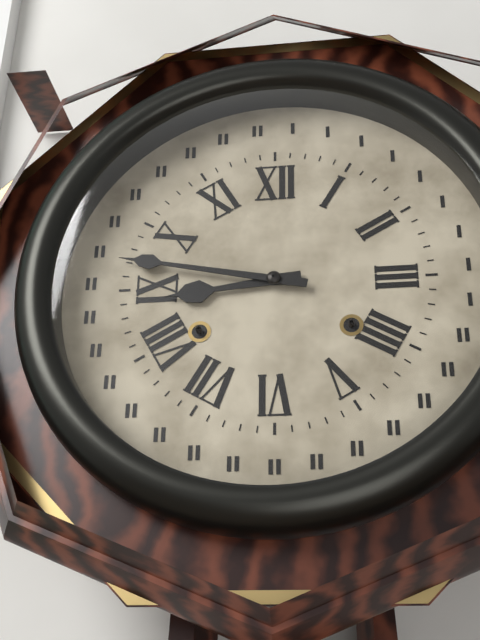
8:47
